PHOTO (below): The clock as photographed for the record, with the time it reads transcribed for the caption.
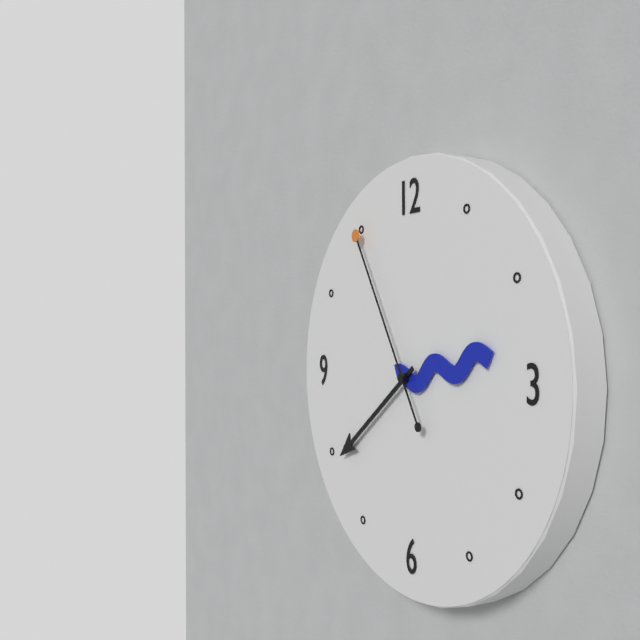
2:39:55
